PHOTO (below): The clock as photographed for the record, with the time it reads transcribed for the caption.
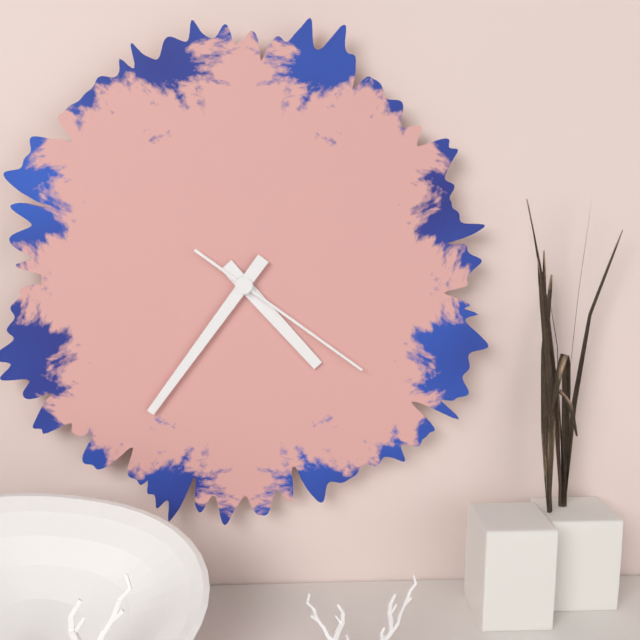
4:36:21
